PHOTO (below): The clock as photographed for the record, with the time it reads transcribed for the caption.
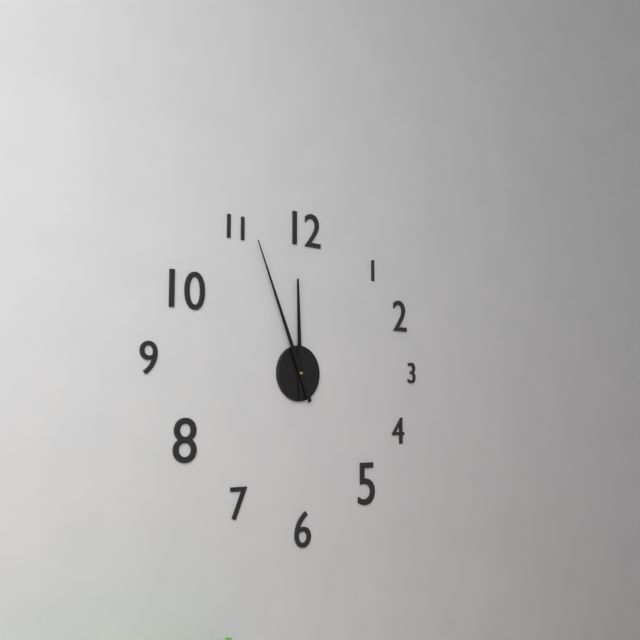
11:56
